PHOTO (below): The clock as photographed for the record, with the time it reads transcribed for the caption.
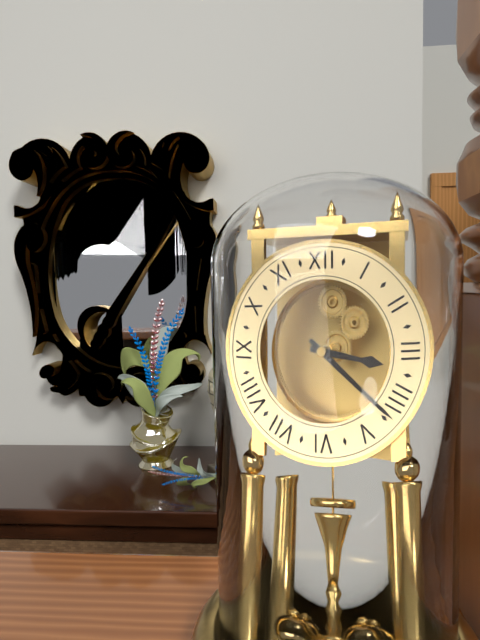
3:22
